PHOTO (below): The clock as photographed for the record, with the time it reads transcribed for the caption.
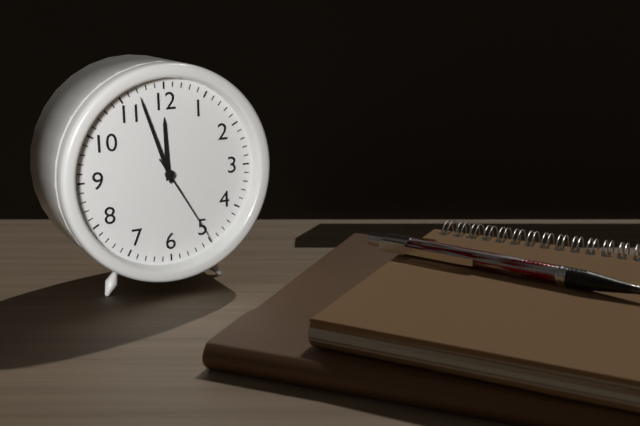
11:57:25
